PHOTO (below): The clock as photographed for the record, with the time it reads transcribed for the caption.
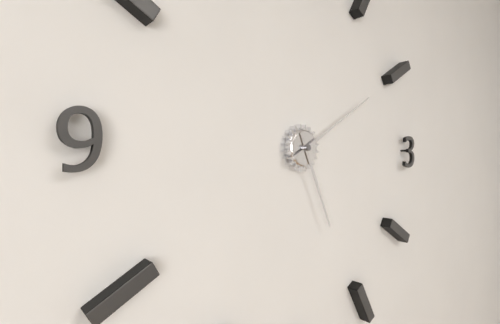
5:10
